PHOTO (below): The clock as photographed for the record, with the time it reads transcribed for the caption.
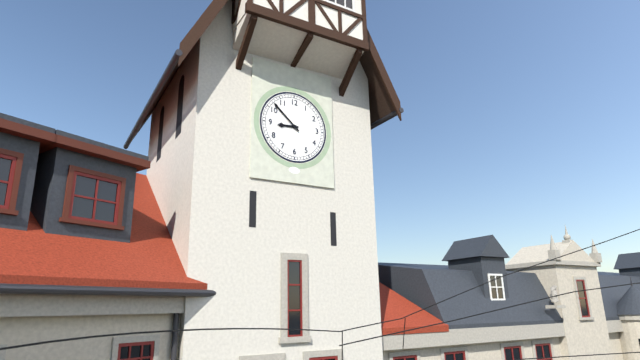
8:52
